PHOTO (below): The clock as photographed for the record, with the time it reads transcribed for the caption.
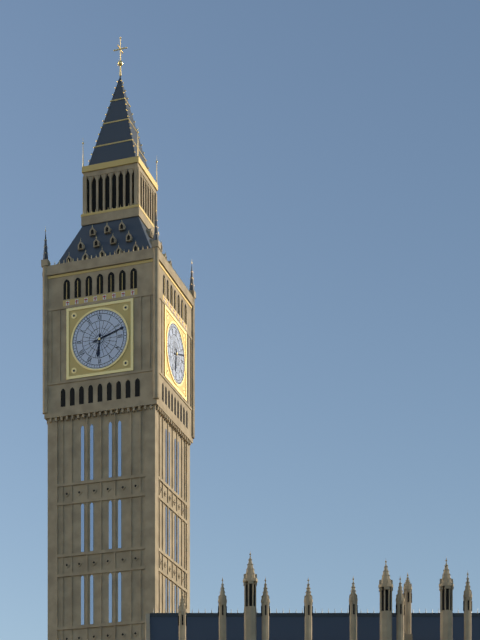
6:12
